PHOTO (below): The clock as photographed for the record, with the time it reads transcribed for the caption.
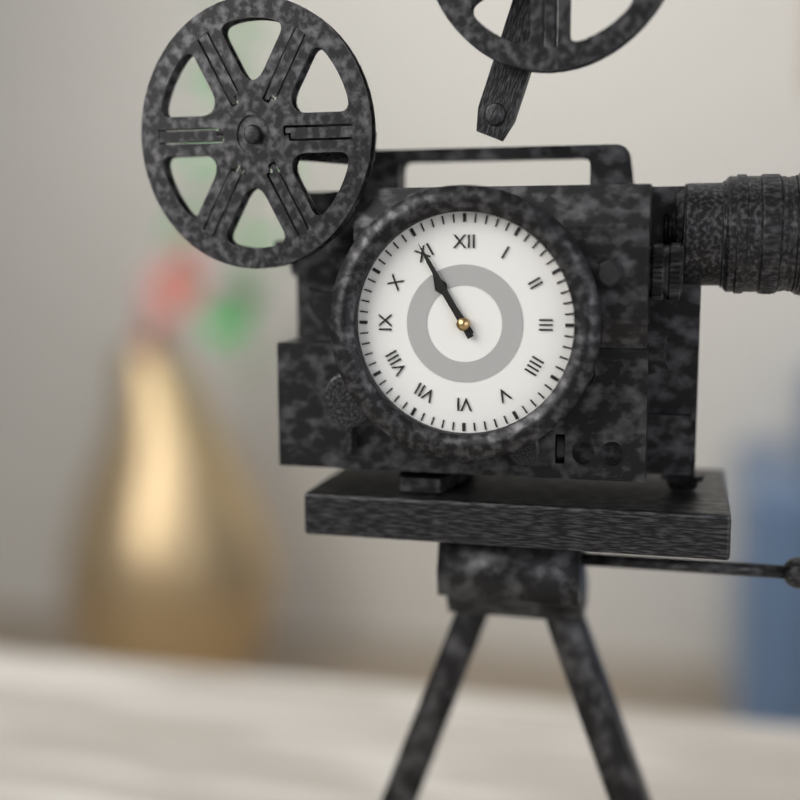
10:55
